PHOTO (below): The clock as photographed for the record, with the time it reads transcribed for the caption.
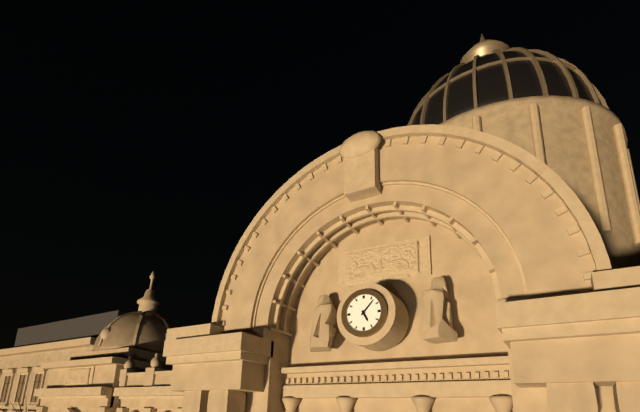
5:07
